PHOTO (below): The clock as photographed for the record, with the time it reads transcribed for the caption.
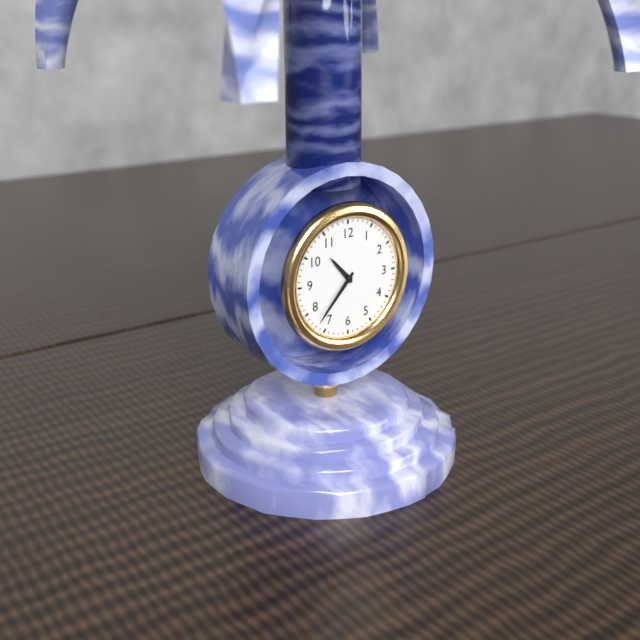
10:37
